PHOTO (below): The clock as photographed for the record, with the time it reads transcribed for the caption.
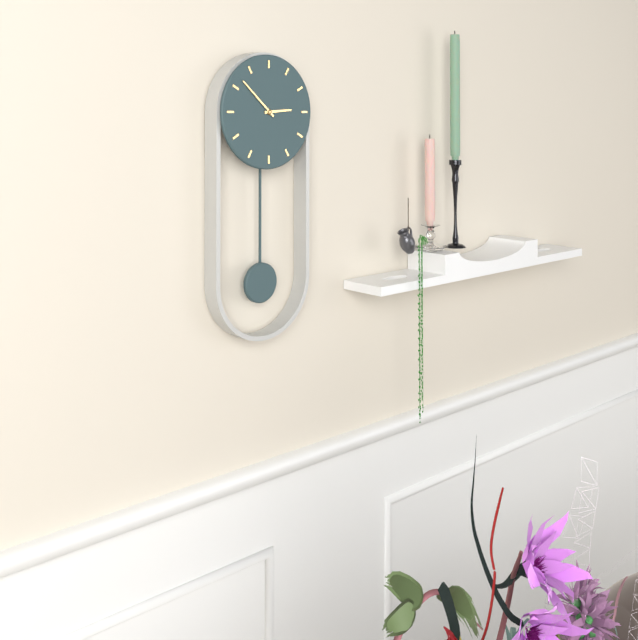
2:52
